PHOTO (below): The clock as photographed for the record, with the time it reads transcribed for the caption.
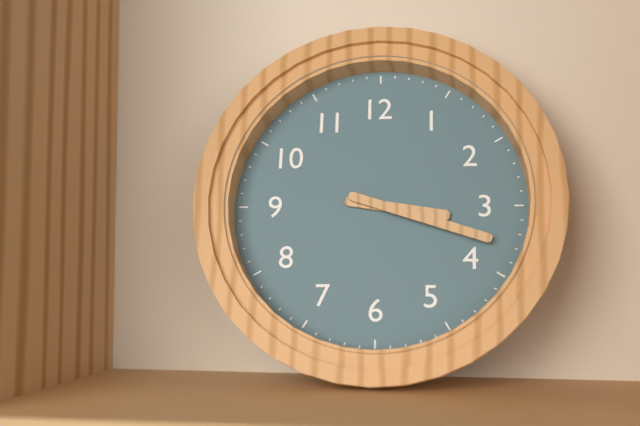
3:18
